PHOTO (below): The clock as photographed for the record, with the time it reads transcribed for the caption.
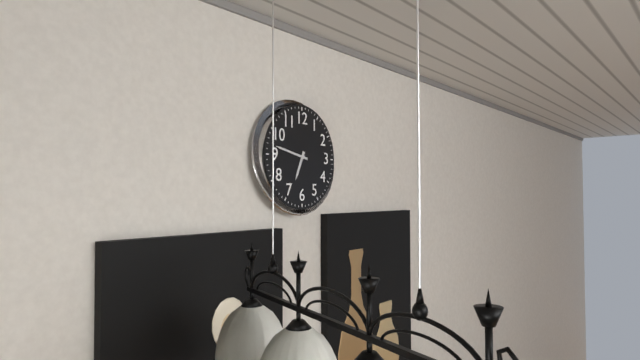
6:47
